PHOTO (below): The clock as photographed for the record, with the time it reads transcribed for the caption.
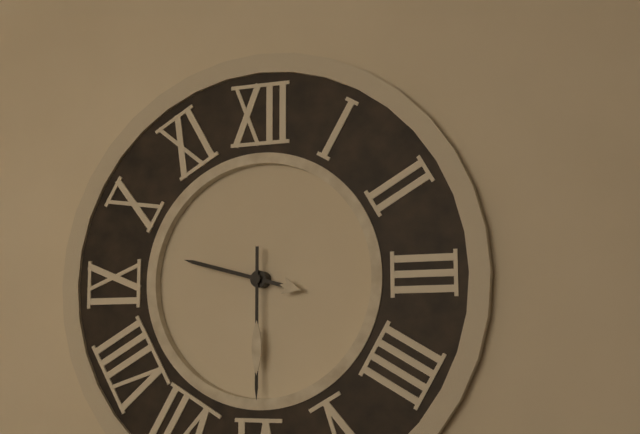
9:30
